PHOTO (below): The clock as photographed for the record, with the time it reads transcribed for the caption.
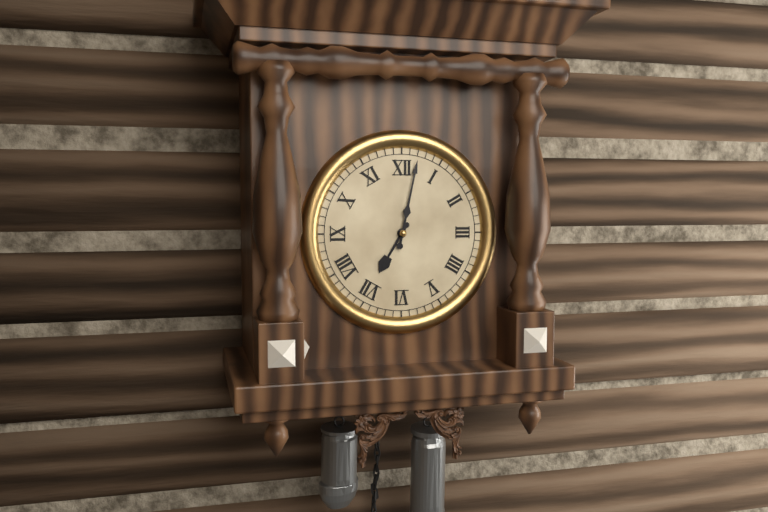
7:02
